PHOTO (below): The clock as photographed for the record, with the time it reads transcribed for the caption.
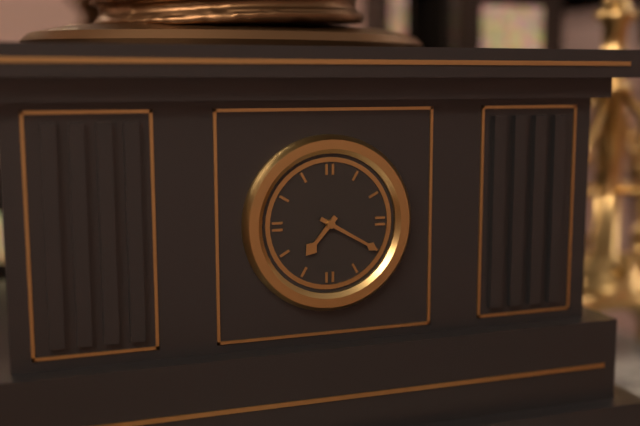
7:20
